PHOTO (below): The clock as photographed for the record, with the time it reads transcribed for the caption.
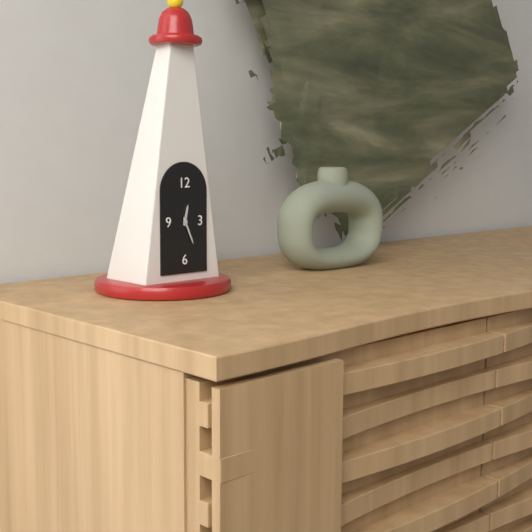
12:26
